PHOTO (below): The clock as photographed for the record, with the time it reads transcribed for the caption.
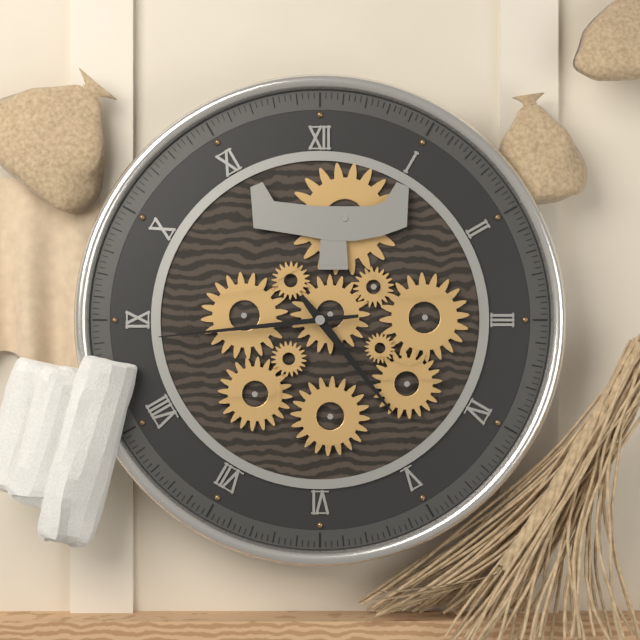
4:44
